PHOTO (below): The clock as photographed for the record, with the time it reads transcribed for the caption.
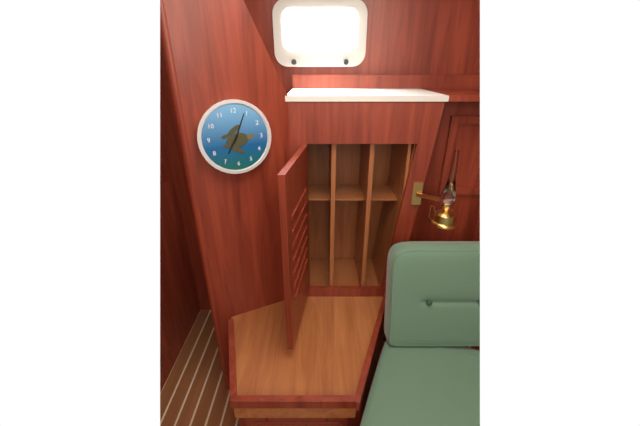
7:04
